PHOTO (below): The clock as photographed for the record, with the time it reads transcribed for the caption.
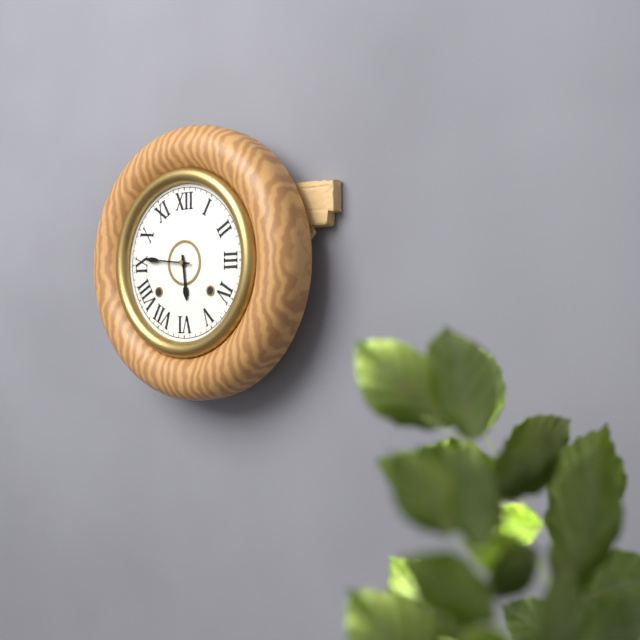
5:46
